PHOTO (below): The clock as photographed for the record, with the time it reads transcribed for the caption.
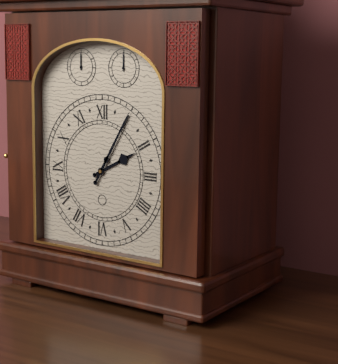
2:05
